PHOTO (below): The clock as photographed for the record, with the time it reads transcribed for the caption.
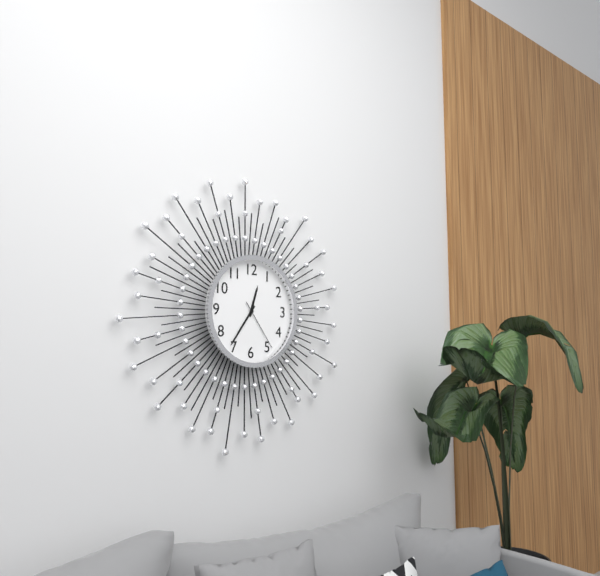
12:36:24
